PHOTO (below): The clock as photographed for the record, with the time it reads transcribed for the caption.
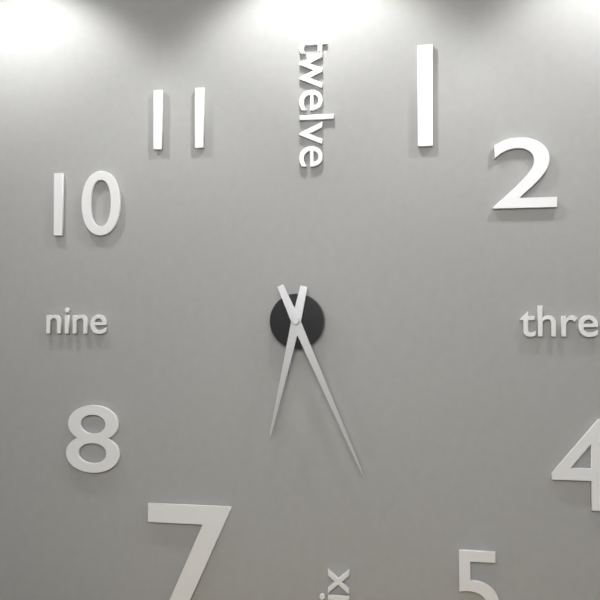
6:26
